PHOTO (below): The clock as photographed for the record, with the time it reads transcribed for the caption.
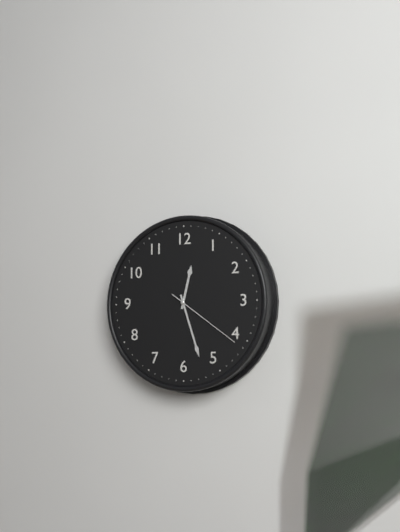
12:27:21
